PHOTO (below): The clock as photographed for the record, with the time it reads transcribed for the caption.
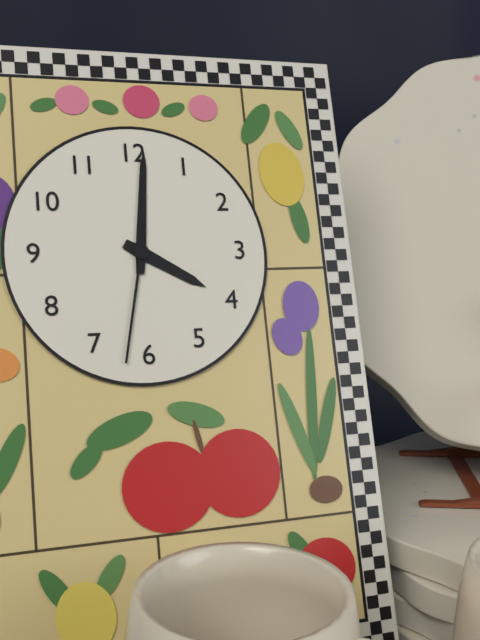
4:01:32
